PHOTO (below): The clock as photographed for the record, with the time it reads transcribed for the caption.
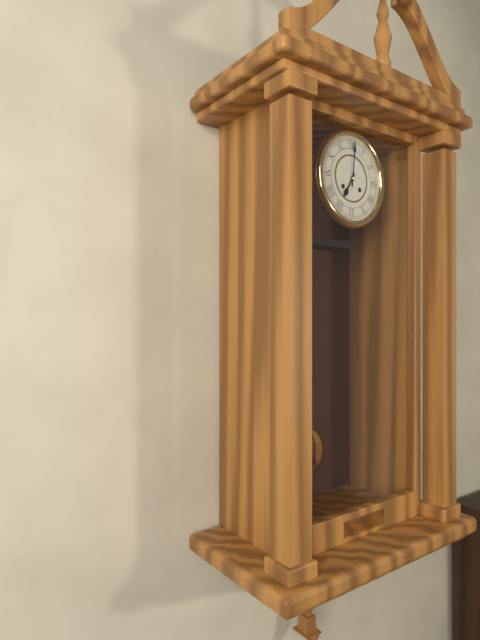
7:01
